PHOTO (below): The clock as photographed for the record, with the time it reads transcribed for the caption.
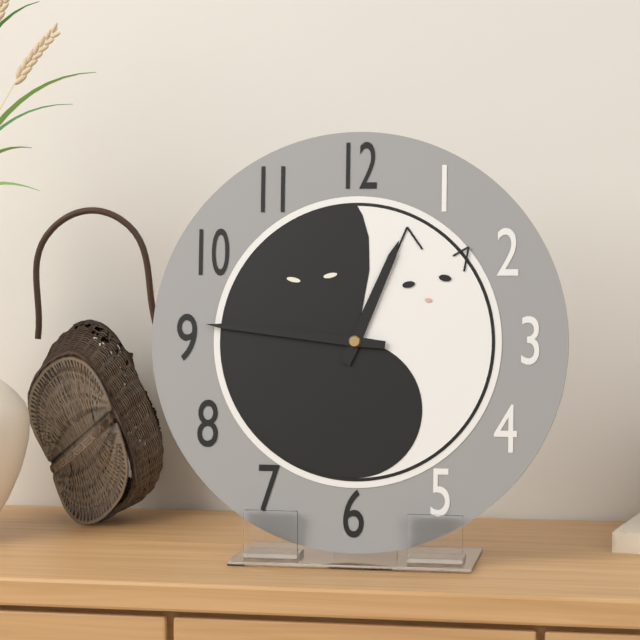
12:46
